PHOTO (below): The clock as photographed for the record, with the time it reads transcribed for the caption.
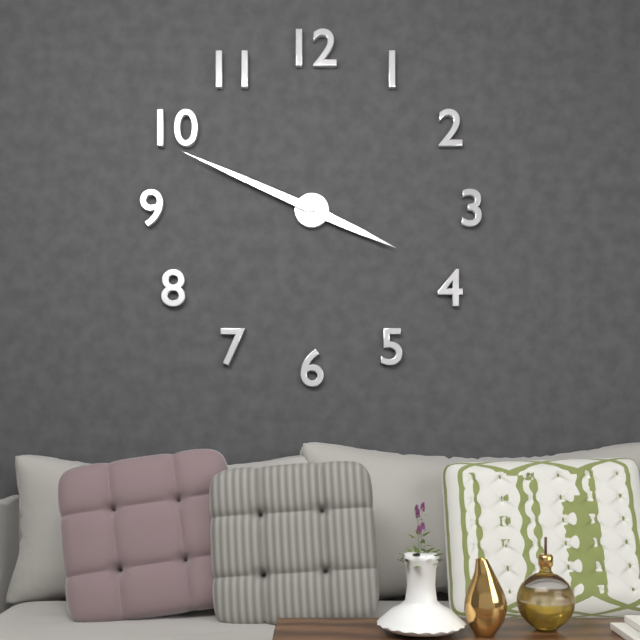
3:49
